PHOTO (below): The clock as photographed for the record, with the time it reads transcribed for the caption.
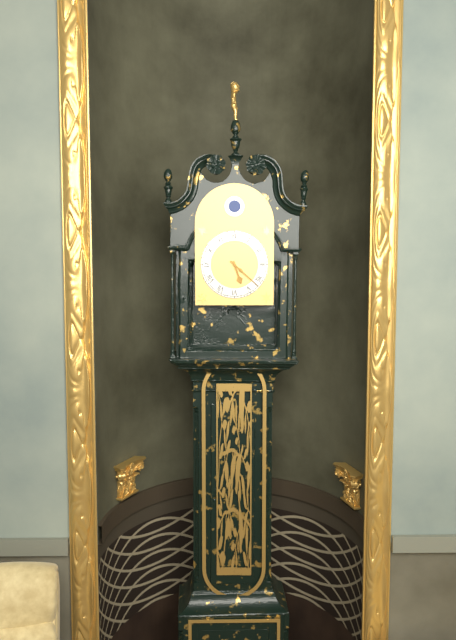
5:22
